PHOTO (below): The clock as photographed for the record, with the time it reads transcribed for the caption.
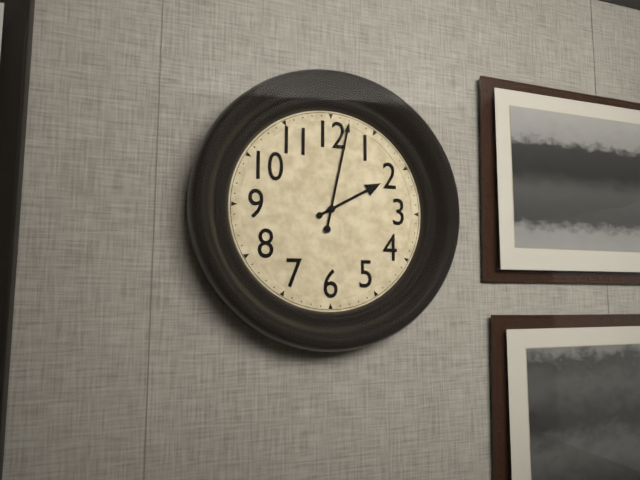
2:02
